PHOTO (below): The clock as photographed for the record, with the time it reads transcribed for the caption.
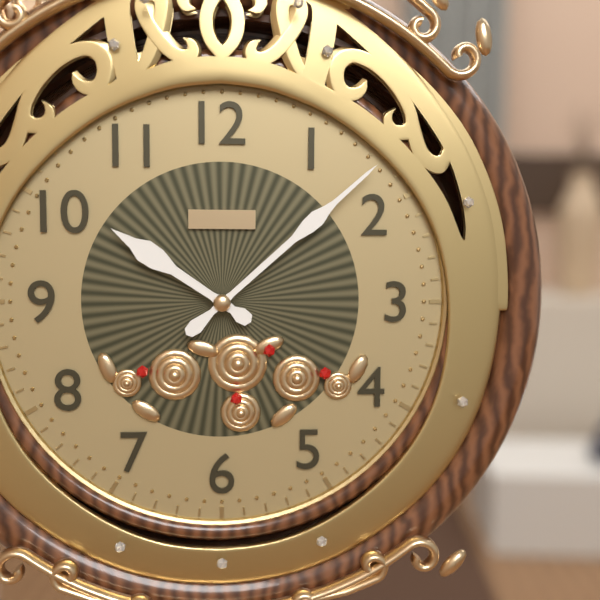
10:08
